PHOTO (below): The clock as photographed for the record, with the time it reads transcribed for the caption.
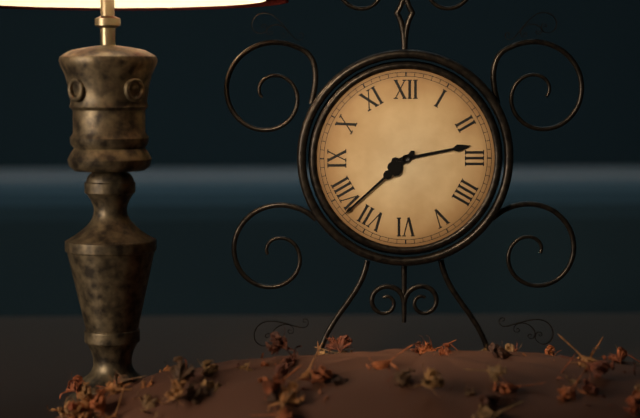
2:38
